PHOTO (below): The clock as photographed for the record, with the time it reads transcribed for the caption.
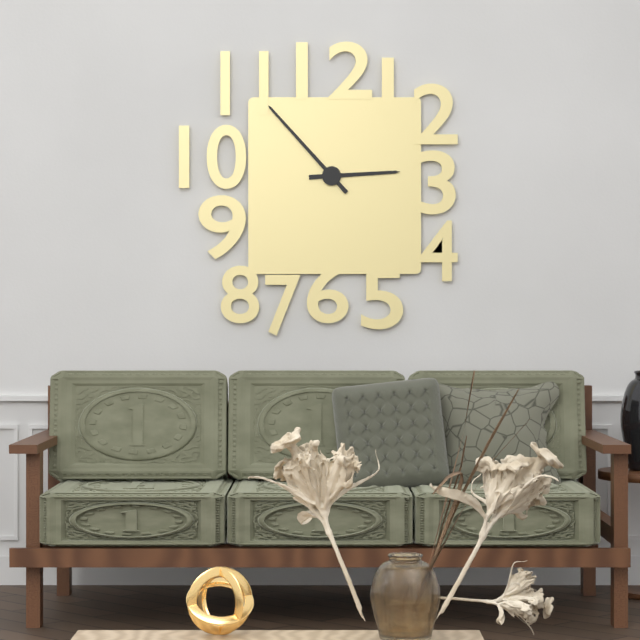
2:53
